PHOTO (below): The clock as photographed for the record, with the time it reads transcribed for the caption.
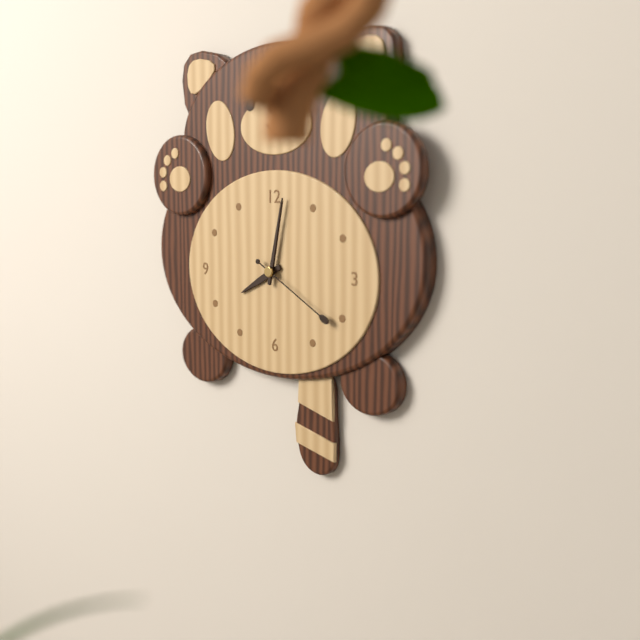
8:02:20
